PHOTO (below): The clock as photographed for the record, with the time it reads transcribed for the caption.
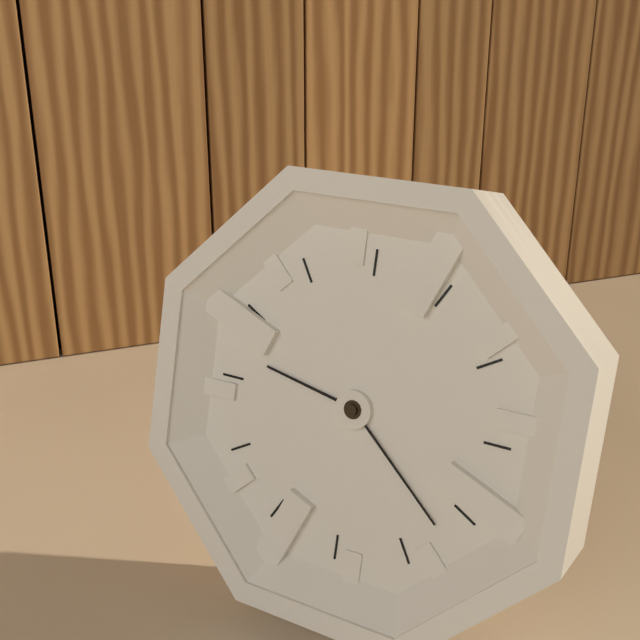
9:22
